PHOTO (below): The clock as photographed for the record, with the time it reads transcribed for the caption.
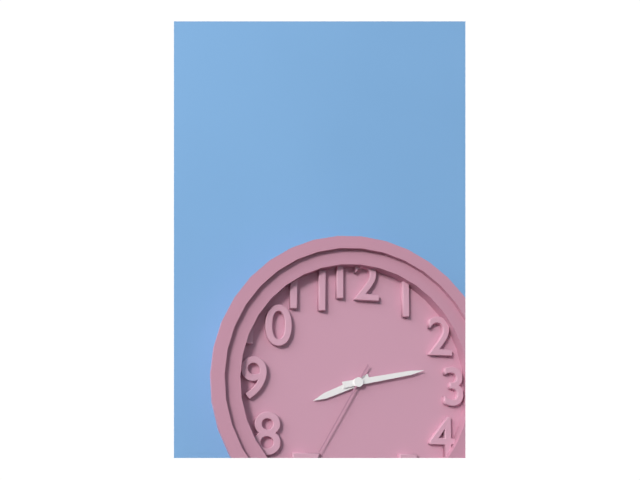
8:13:35
